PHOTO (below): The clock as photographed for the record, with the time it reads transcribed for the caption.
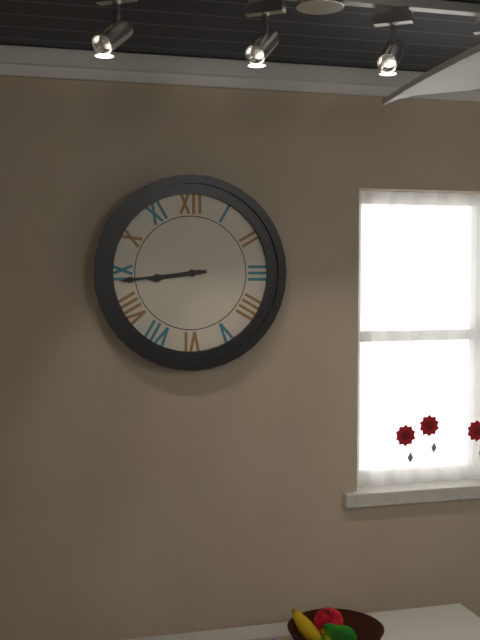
8:44
